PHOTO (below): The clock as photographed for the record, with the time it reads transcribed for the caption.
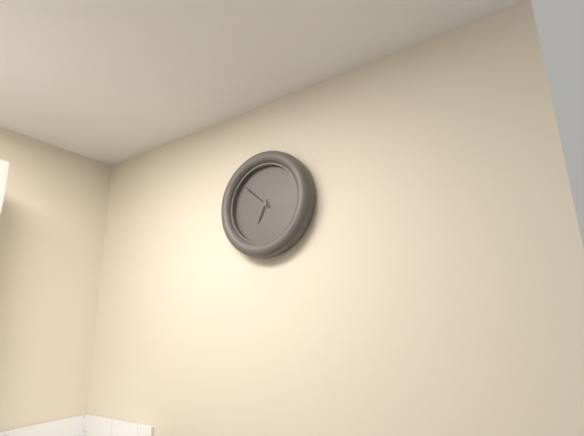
6:52
